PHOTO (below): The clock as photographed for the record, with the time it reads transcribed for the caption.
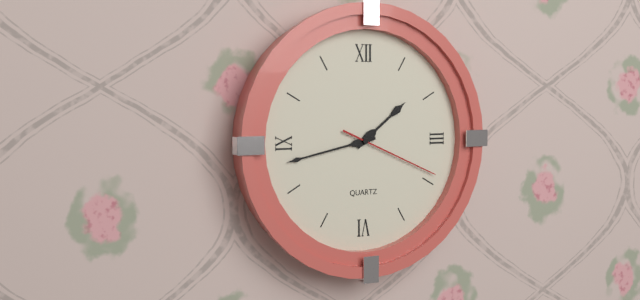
1:43:19
